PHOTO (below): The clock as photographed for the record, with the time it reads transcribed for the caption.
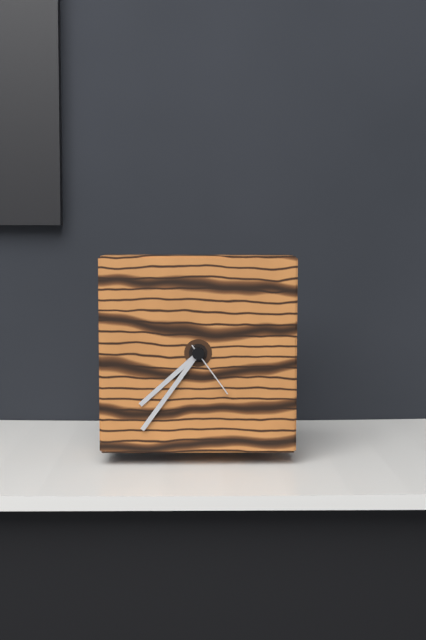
7:36:24
